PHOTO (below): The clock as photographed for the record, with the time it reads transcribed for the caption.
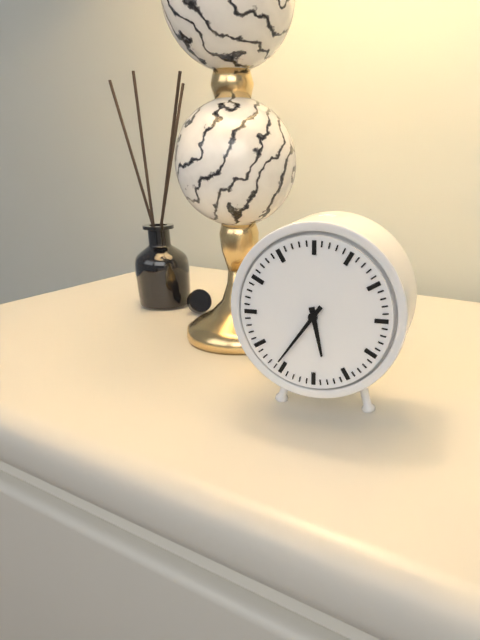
5:36
